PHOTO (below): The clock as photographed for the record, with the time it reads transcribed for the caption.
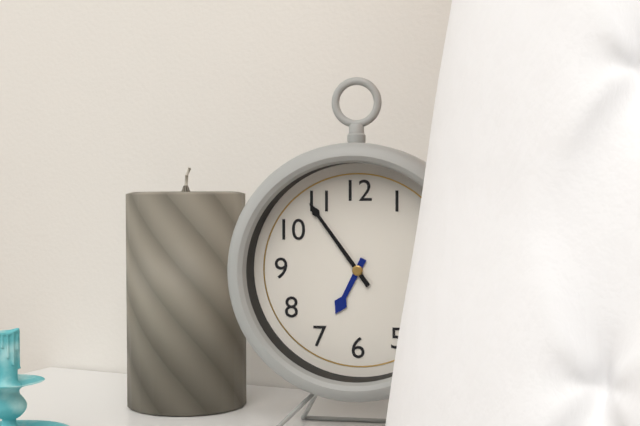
6:54
